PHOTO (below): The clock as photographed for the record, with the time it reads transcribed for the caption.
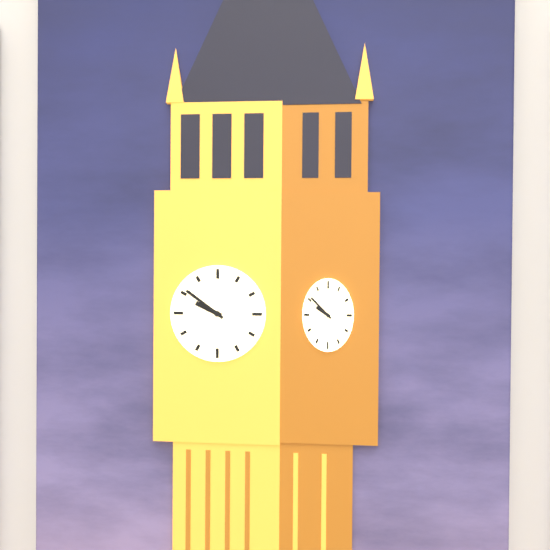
9:51
